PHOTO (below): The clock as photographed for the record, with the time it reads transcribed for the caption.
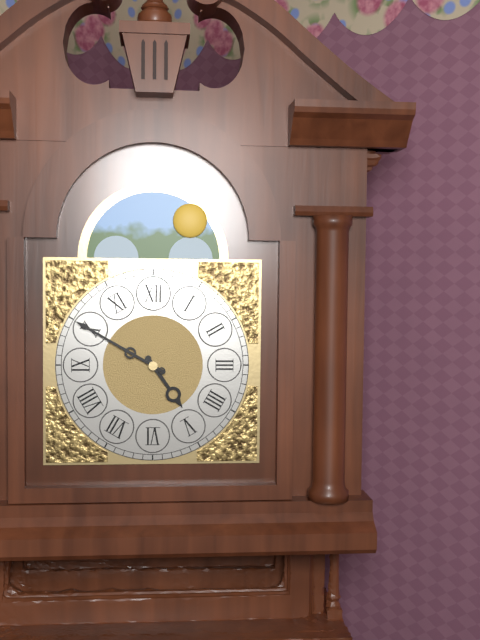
4:50
